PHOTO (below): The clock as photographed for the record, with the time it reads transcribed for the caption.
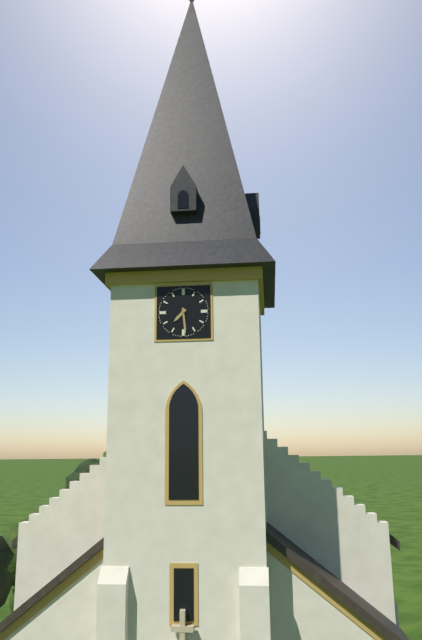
7:29
